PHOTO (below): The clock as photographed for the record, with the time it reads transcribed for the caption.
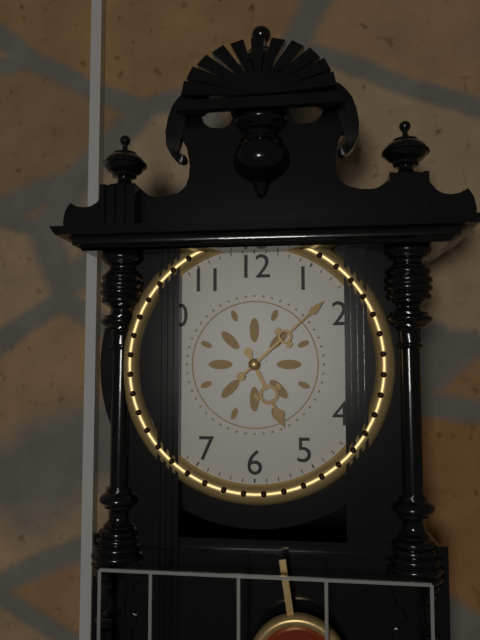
5:08
